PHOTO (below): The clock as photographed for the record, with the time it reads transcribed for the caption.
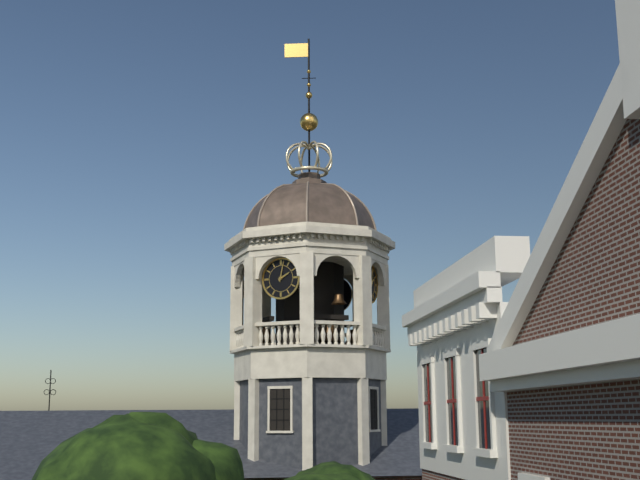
2:02
